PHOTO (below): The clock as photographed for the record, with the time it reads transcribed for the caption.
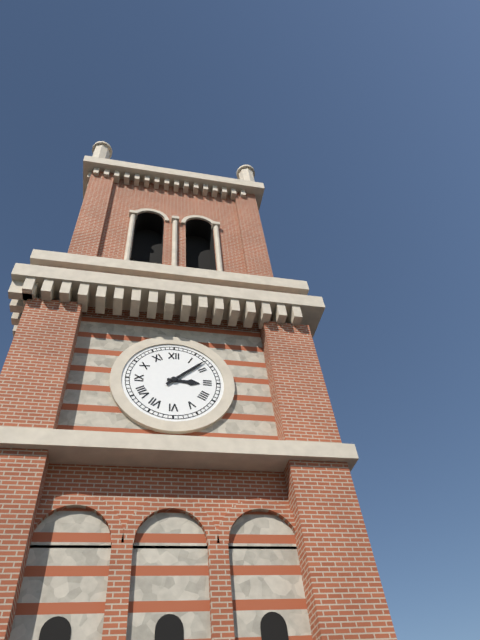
3:08
